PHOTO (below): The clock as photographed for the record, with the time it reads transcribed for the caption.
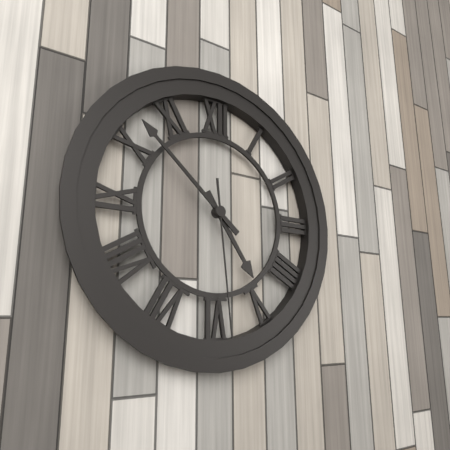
4:52:29
